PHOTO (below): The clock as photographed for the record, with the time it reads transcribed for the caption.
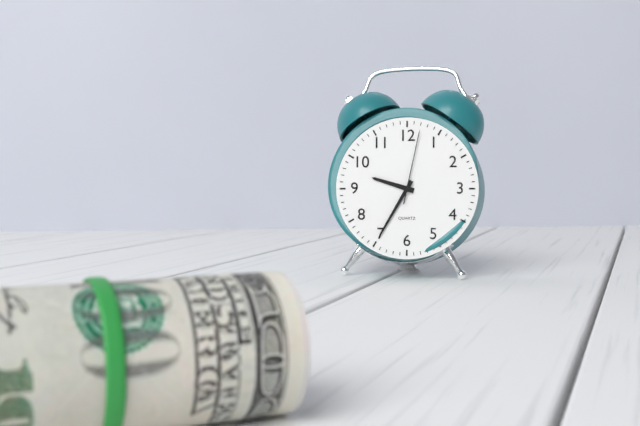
9:35:02
